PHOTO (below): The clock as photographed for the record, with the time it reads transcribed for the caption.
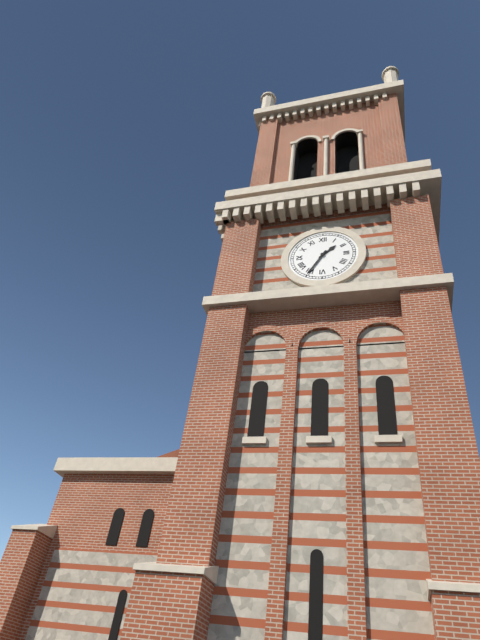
1:35
